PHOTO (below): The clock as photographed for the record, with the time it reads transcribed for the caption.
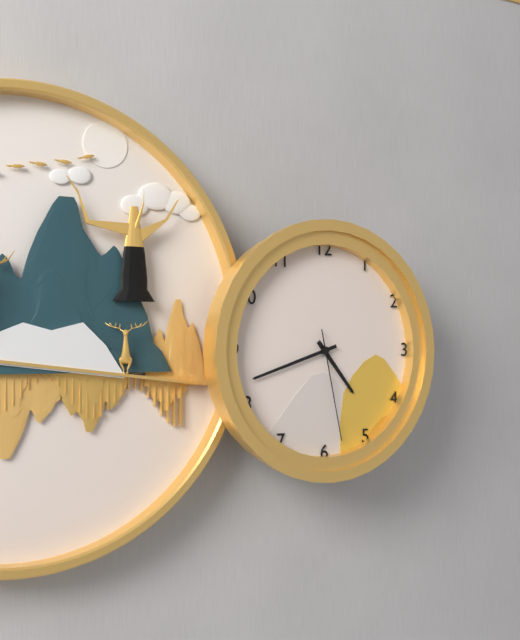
4:42:28
